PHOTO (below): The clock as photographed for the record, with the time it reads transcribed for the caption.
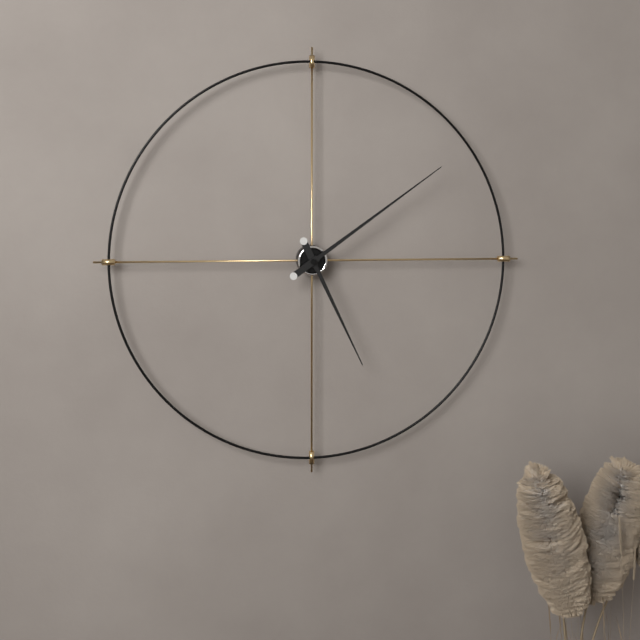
5:09
